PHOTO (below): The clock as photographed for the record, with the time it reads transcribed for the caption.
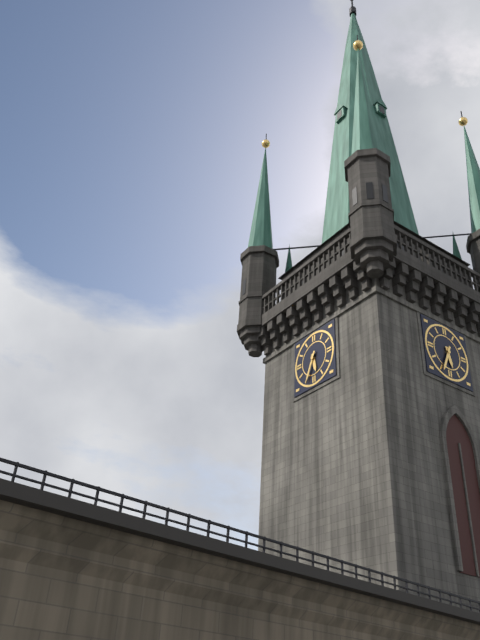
5:34
